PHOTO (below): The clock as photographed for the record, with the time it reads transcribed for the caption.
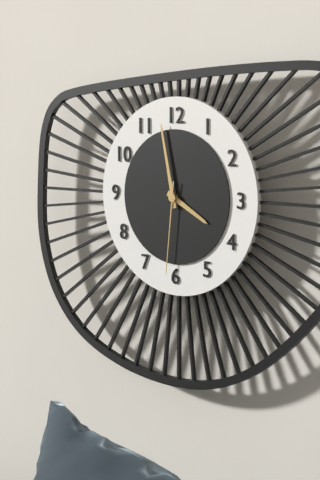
3:58:31
